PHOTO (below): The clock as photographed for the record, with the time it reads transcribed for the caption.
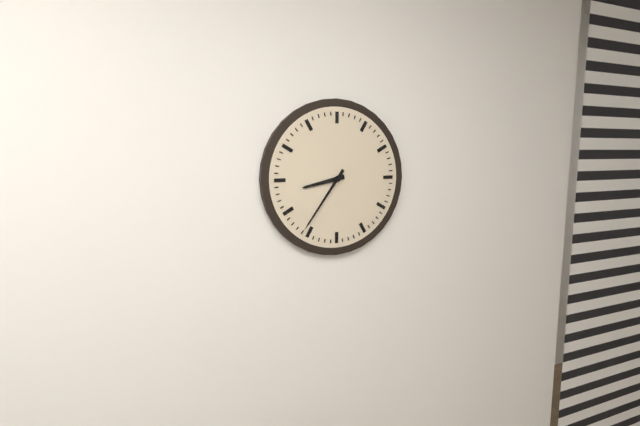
8:36
